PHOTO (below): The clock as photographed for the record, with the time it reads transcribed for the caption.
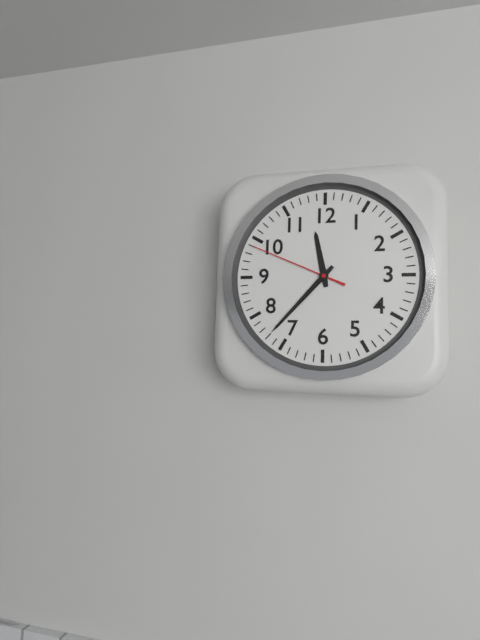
11:37:49
